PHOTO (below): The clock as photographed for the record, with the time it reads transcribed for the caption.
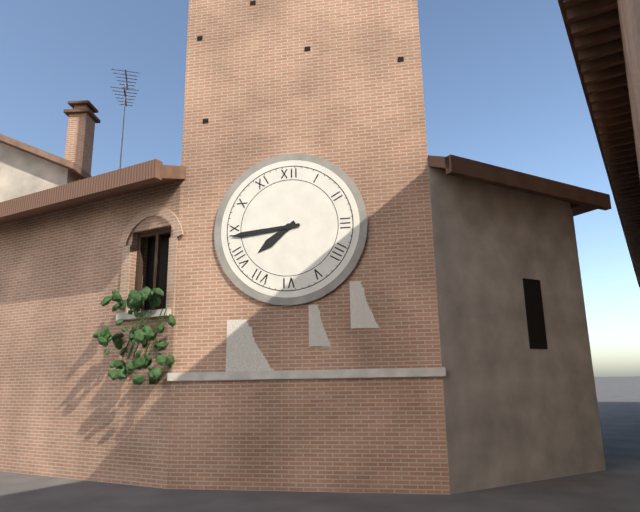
7:44
